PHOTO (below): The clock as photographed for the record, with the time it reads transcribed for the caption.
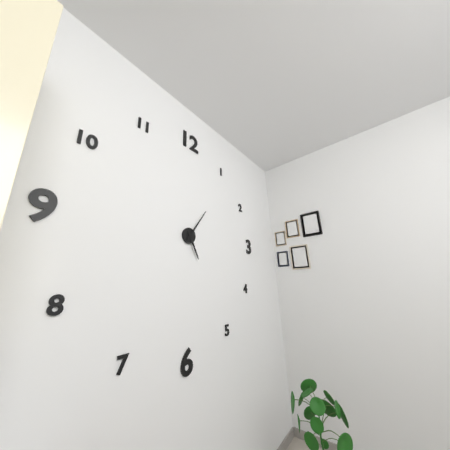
5:06
